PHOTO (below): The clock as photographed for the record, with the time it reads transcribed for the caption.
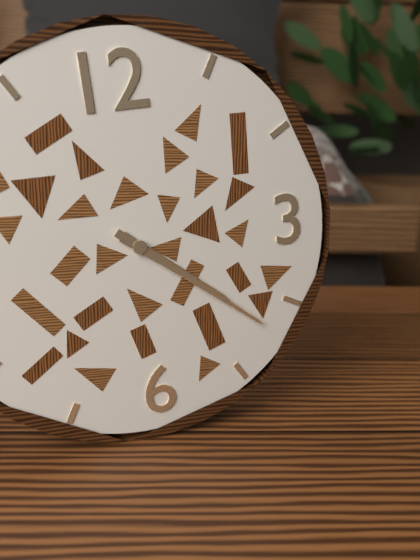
4:22
